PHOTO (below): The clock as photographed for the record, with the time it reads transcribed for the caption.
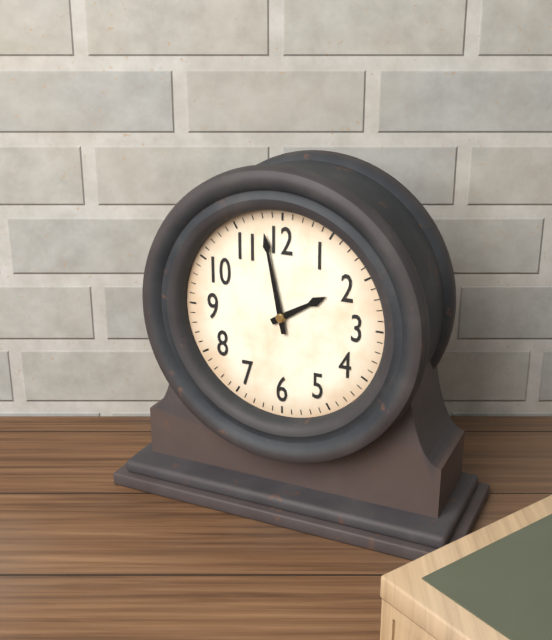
1:58
